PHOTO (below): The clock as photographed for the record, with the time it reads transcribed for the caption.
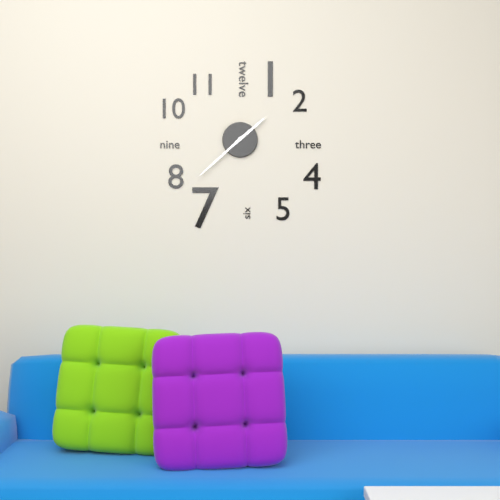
1:38
